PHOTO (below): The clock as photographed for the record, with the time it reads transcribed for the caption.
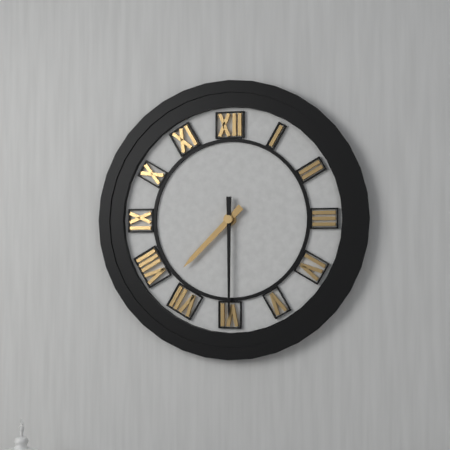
7:30
